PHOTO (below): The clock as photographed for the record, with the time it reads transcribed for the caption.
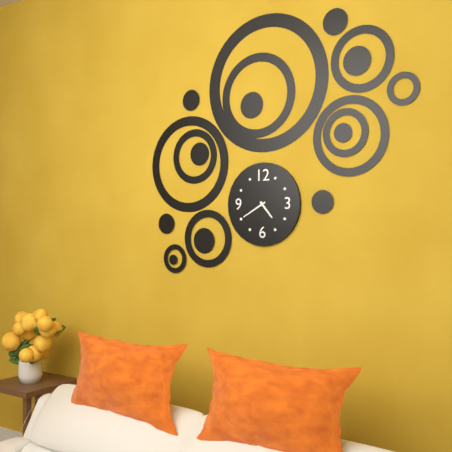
4:40
